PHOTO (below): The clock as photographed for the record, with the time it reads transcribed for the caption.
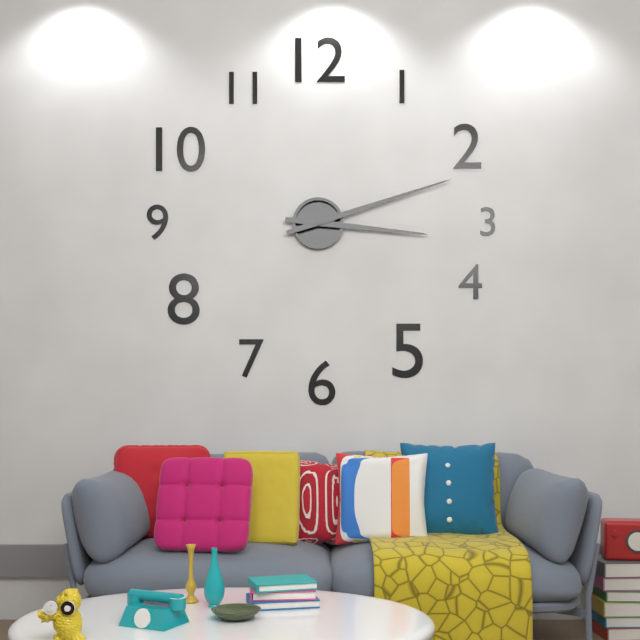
3:12
